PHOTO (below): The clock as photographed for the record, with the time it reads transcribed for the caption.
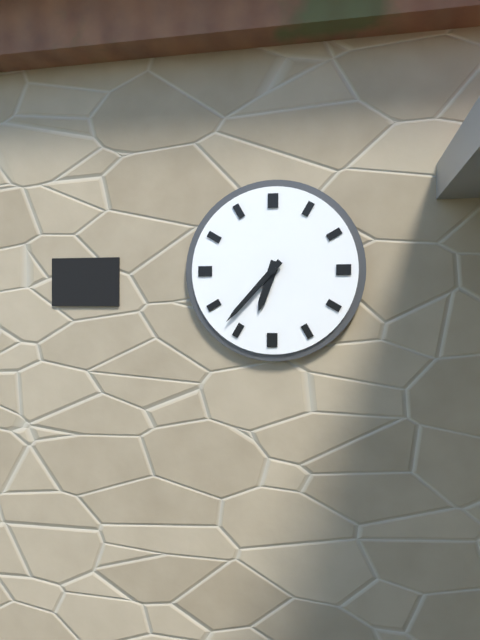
6:37
